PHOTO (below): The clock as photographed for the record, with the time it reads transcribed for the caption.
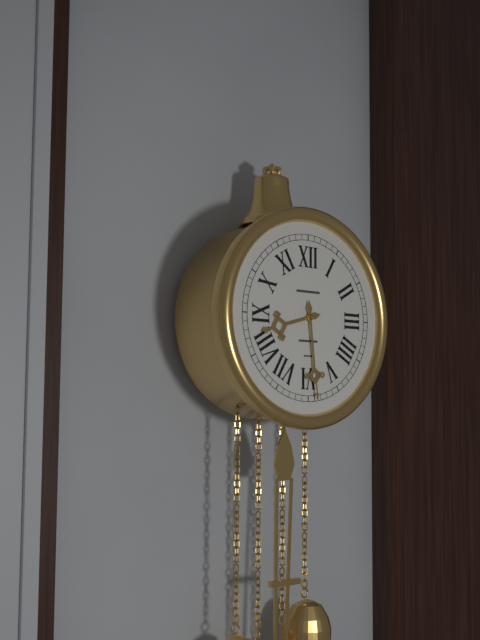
8:29
